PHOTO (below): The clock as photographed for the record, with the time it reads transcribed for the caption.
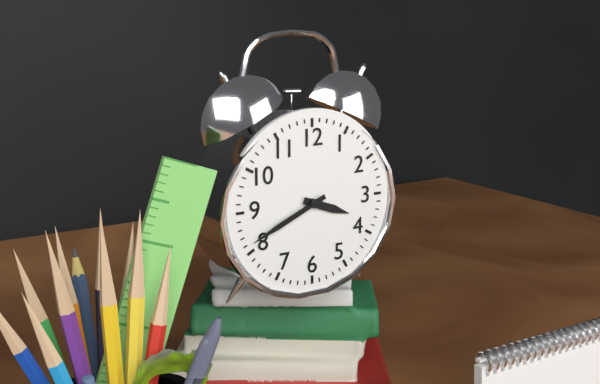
3:41
